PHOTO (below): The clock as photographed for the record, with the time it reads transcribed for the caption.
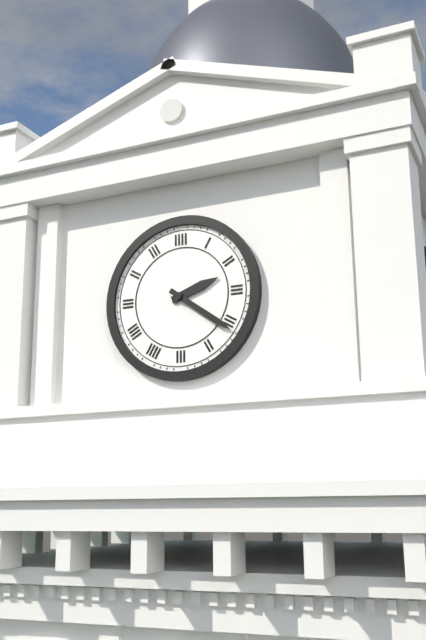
2:21
